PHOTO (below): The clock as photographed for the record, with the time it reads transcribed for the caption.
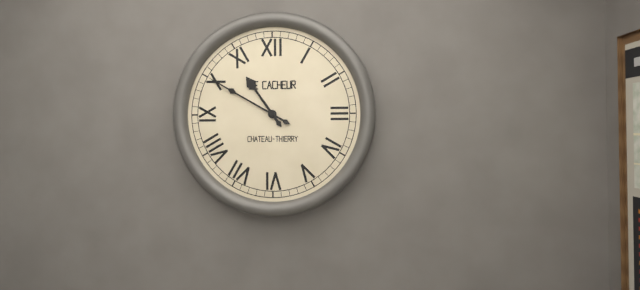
10:50
